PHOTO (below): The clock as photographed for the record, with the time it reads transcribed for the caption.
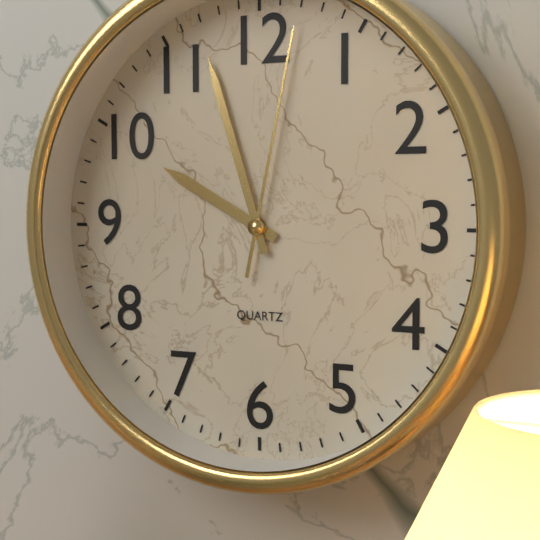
9:57:02
